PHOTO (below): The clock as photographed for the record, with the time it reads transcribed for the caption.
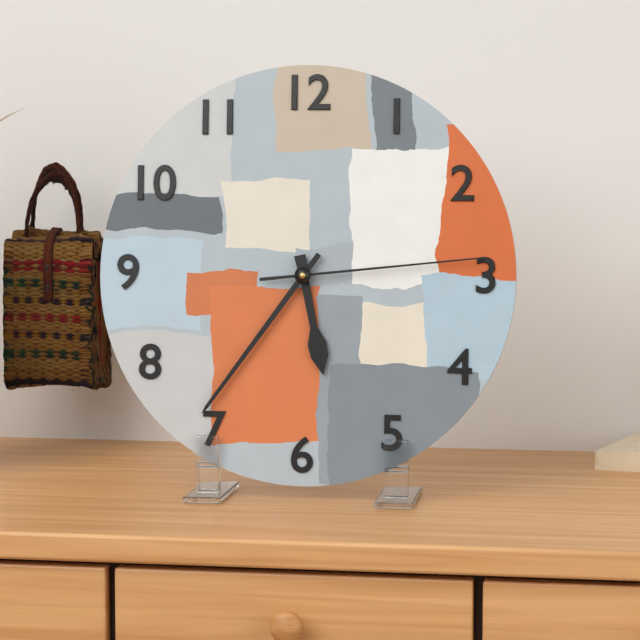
5:36:14
